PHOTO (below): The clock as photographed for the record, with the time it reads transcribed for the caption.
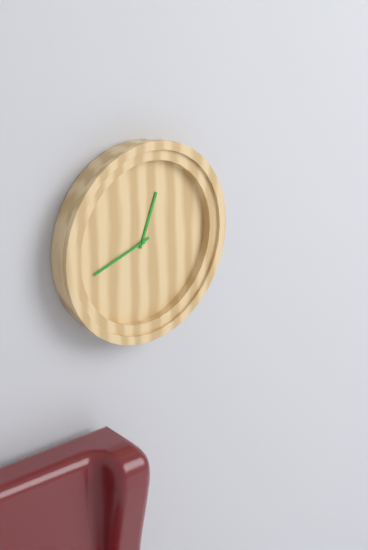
12:42
